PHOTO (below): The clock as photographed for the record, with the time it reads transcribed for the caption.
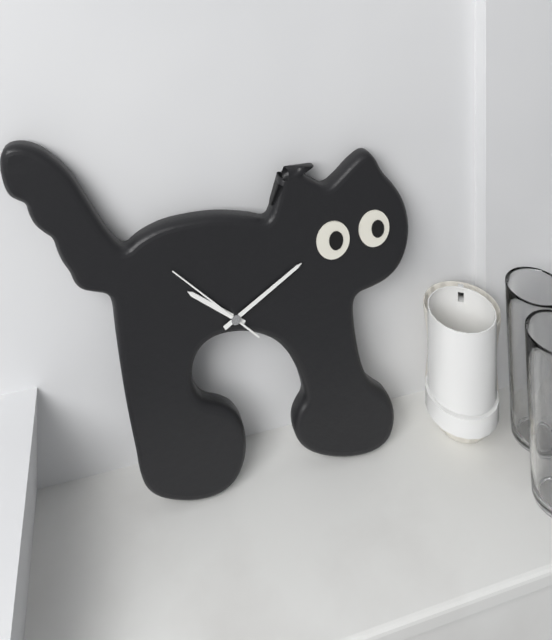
10:10:52
